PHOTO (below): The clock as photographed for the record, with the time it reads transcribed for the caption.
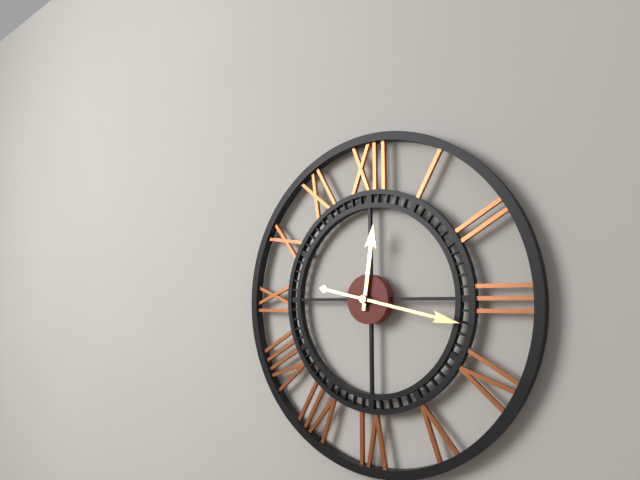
12:17
